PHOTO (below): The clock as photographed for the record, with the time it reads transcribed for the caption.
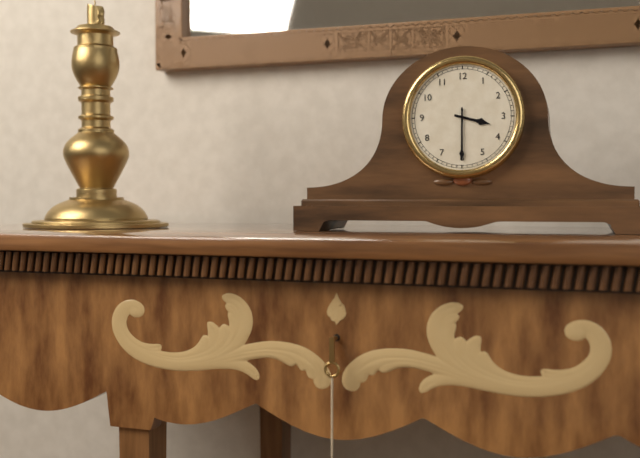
3:30
